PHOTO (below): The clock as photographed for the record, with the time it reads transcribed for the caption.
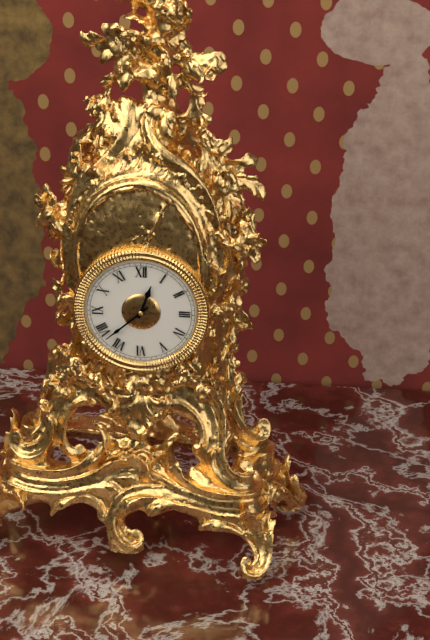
12:38
